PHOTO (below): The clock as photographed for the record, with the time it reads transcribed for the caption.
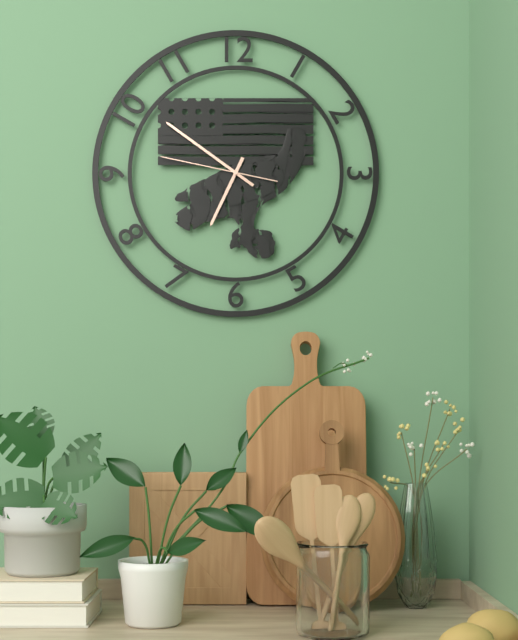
6:51:47
